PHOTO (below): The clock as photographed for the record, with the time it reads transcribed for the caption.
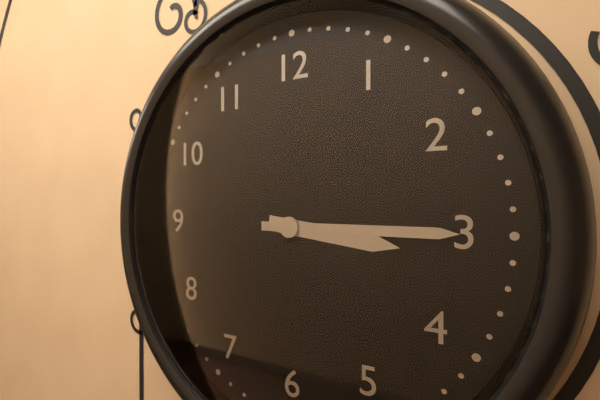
3:15
